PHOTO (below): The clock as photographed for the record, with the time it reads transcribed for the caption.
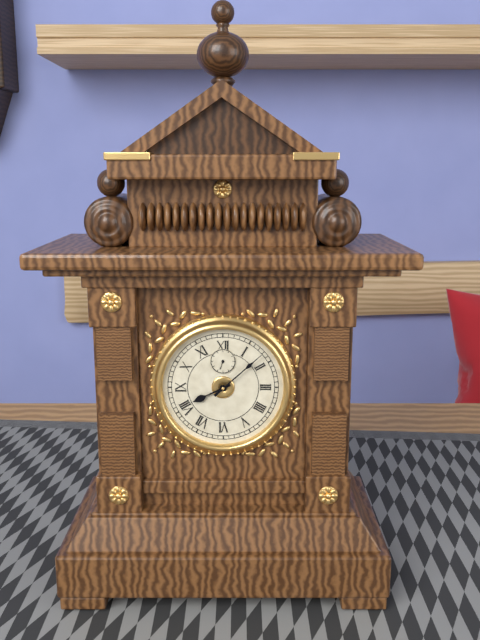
8:08
